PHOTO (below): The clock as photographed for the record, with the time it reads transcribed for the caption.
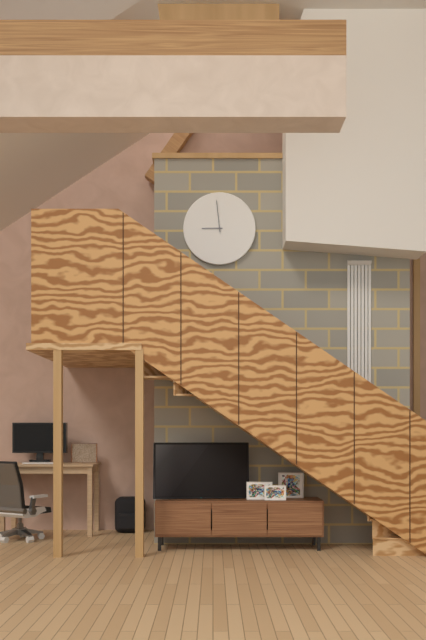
8:59
